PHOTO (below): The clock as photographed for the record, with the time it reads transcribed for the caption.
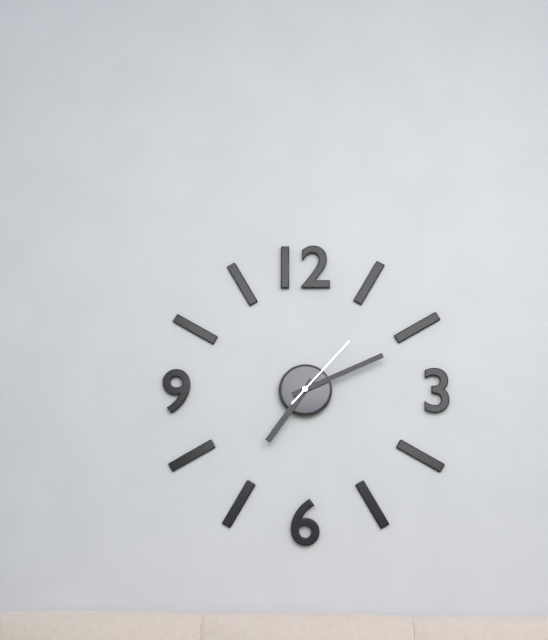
7:11:07
